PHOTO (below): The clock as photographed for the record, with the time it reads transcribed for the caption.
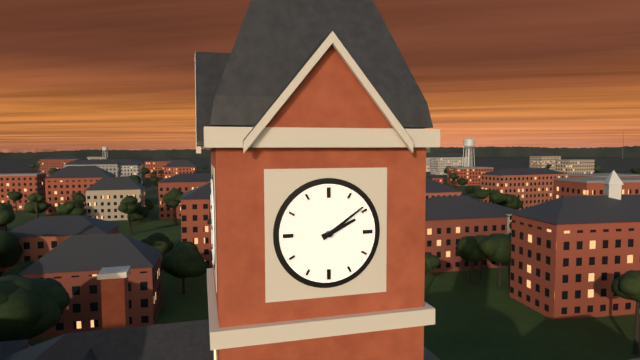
2:09
